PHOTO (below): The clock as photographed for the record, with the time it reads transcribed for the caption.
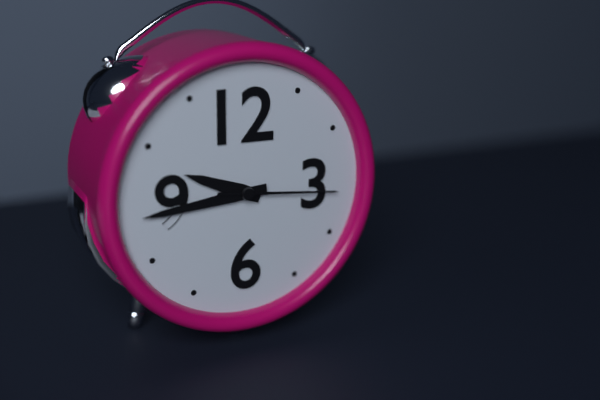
9:44:16
